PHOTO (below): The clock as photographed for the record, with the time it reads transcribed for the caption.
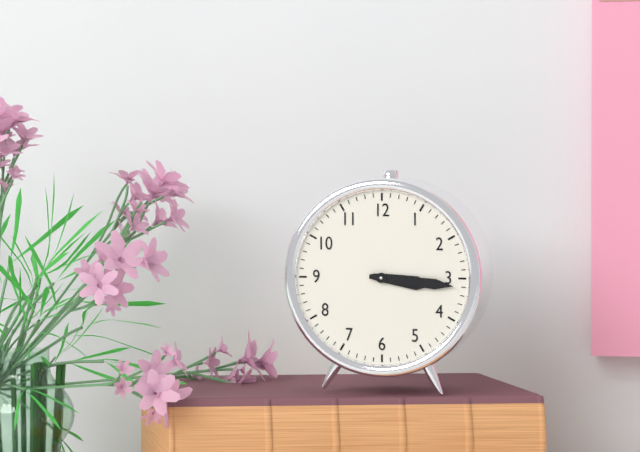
3:16
